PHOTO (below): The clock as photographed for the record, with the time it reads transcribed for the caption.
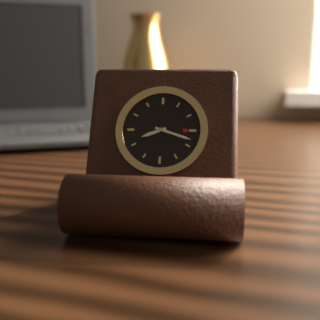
8:18
